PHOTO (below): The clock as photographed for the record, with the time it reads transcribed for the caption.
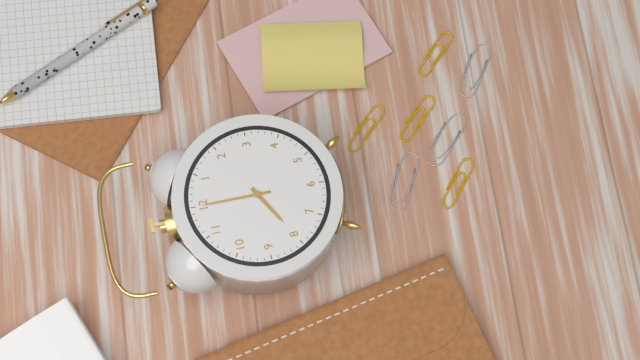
8:00
